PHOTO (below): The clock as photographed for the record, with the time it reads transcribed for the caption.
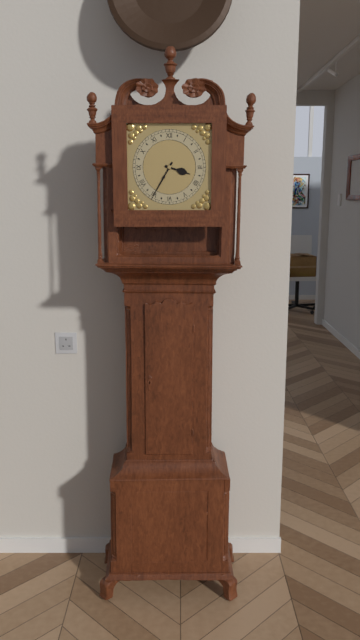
3:35
